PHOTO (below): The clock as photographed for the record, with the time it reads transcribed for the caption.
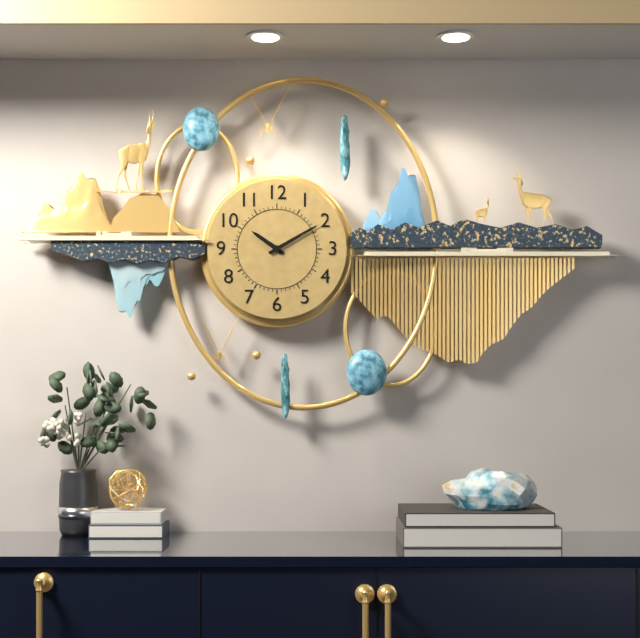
10:10
